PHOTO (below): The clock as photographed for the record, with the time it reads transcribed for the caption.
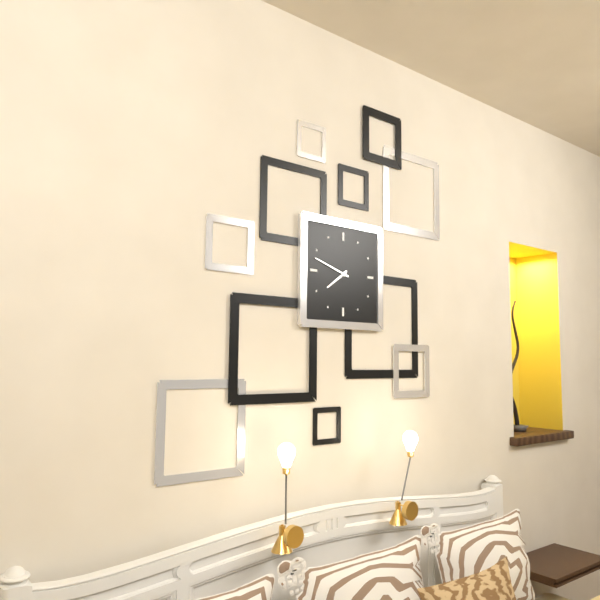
7:48
